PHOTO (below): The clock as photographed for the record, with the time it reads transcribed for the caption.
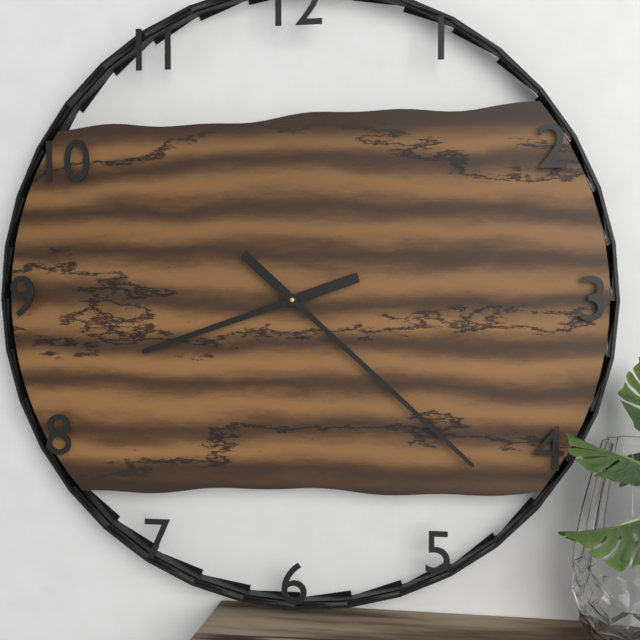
8:22
